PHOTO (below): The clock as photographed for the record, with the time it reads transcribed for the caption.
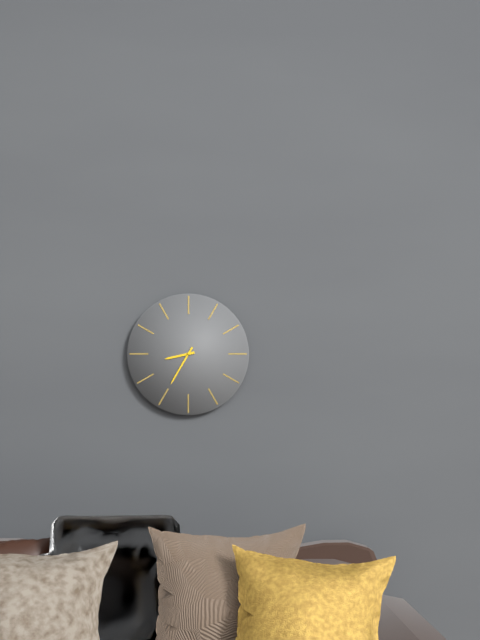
8:35
